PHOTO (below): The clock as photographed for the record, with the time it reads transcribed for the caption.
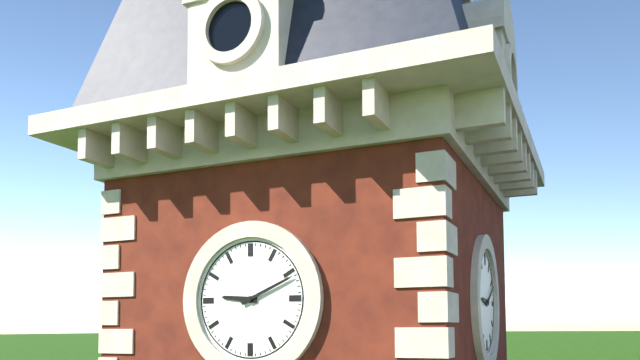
9:11
